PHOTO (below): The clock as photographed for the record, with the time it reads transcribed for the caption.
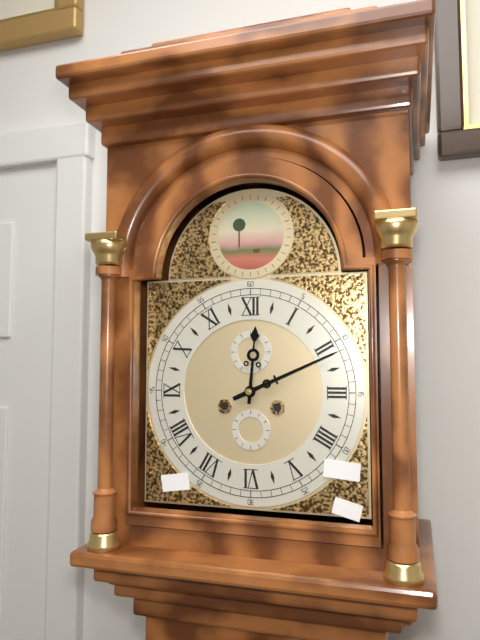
12:11
